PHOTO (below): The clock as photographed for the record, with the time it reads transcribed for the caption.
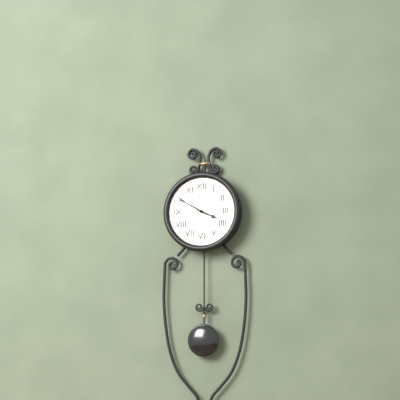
3:50
